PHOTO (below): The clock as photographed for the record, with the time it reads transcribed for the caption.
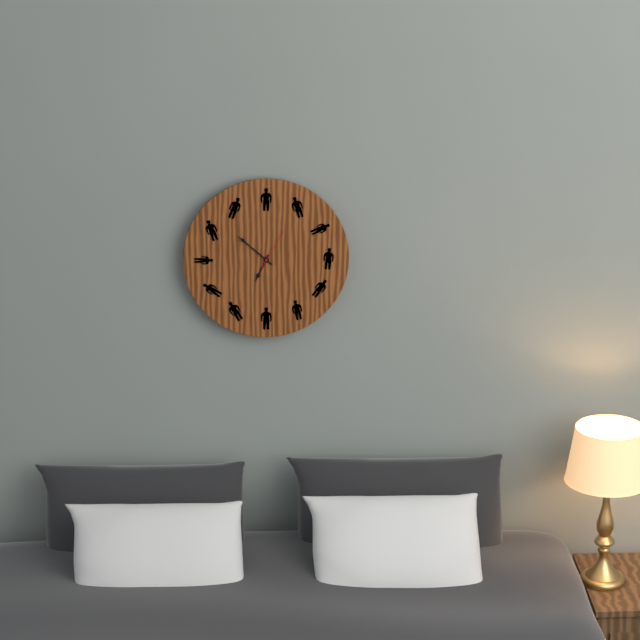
6:52
